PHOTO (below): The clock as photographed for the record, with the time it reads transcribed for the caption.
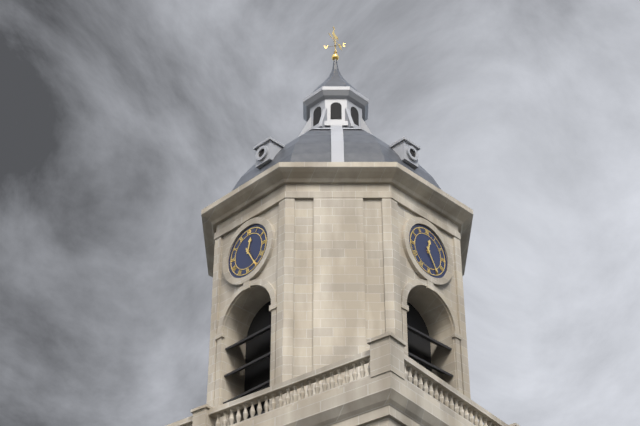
12:25
